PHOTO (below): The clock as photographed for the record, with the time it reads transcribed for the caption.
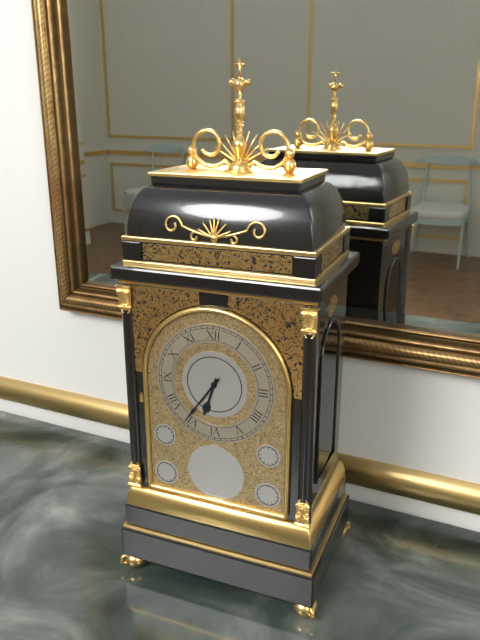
6:36
